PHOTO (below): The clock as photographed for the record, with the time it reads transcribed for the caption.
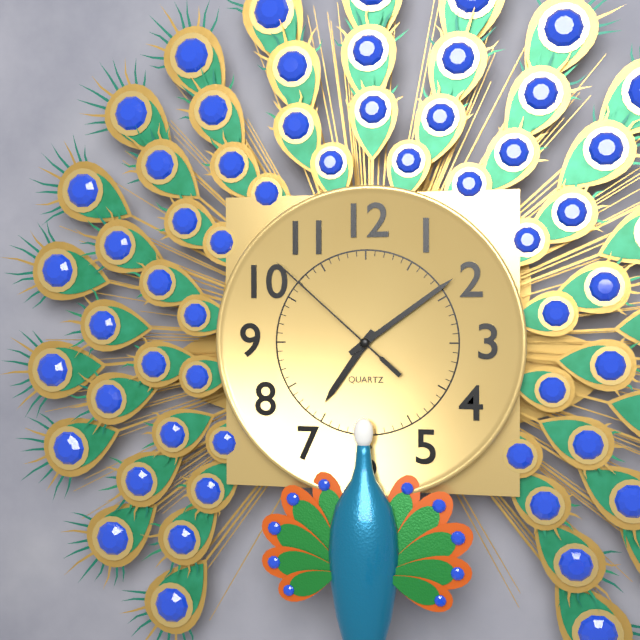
7:09:52
